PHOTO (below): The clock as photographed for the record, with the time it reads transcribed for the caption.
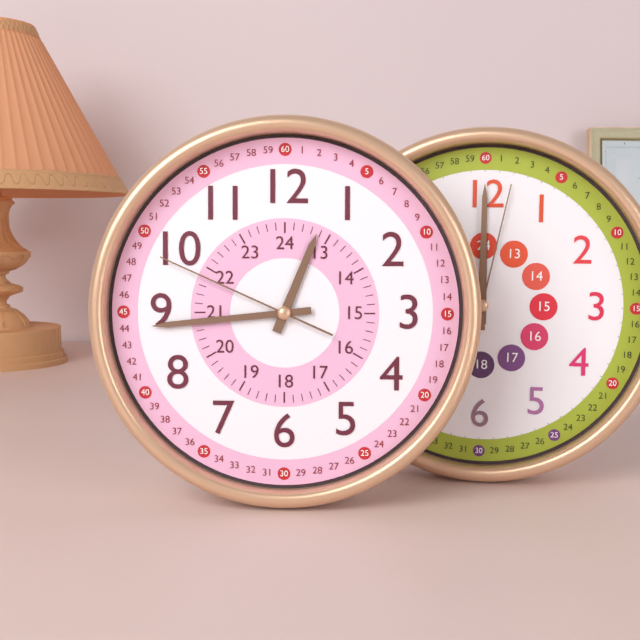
12:44:49
